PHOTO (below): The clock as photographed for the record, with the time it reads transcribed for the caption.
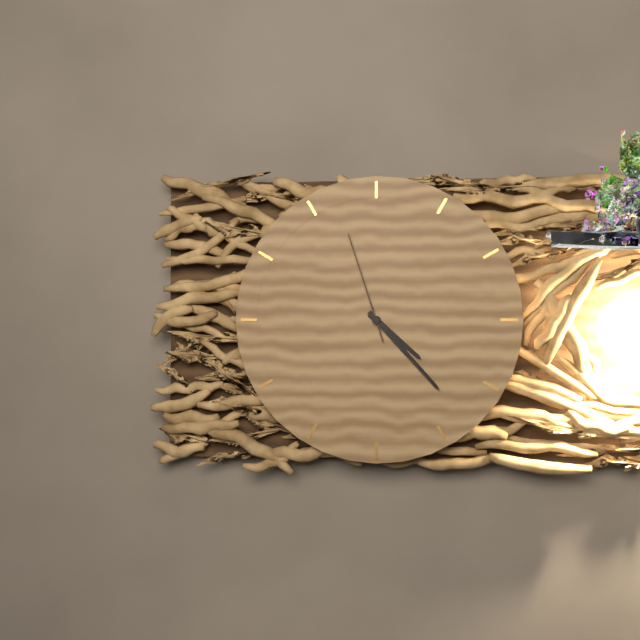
4:23:57
